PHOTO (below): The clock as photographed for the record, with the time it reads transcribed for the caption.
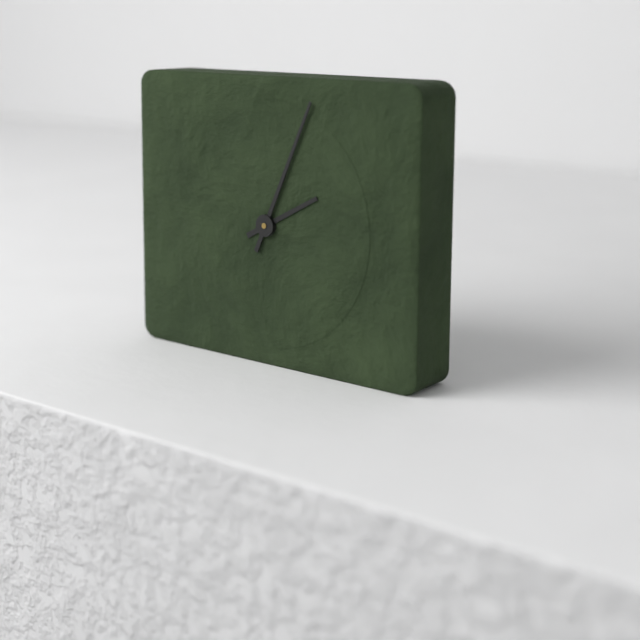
2:04
